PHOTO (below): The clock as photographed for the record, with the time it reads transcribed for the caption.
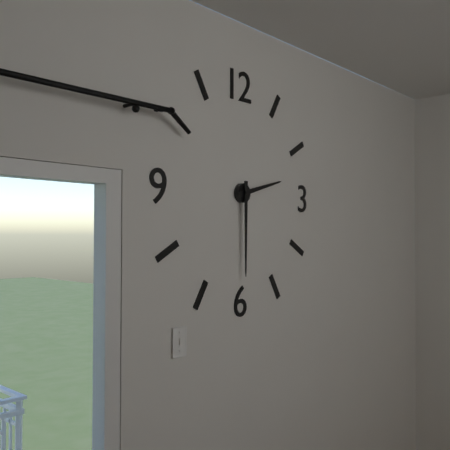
2:30
